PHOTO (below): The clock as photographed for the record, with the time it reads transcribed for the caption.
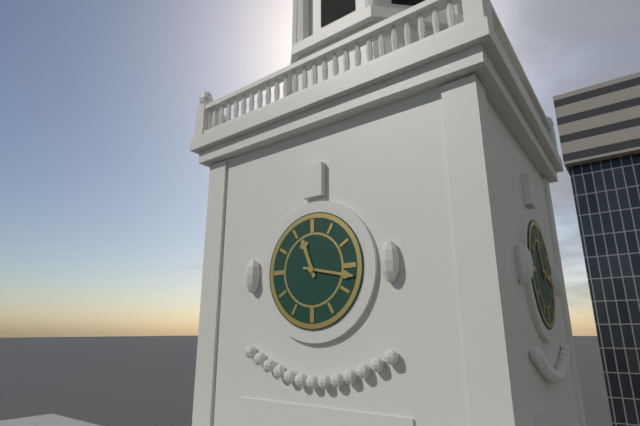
11:17
